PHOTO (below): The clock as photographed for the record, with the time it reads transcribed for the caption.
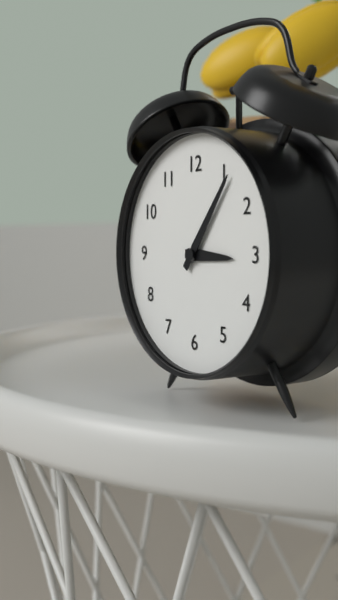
3:06
